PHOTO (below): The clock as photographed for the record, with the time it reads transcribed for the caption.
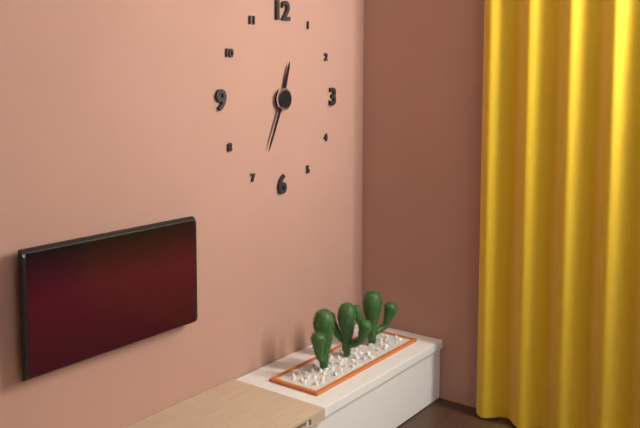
12:34
